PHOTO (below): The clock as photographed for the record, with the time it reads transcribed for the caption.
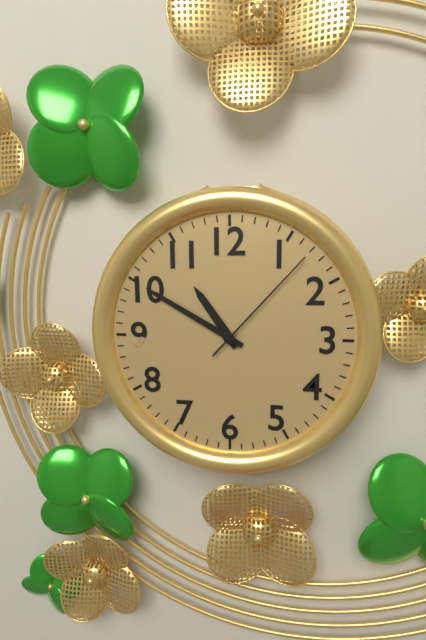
10:50:07
